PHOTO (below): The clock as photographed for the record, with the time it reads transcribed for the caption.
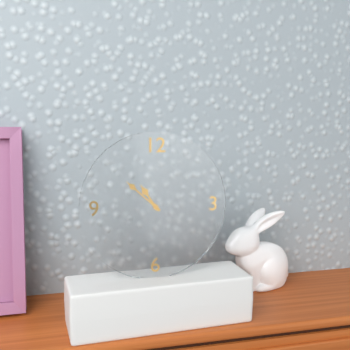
10:52
